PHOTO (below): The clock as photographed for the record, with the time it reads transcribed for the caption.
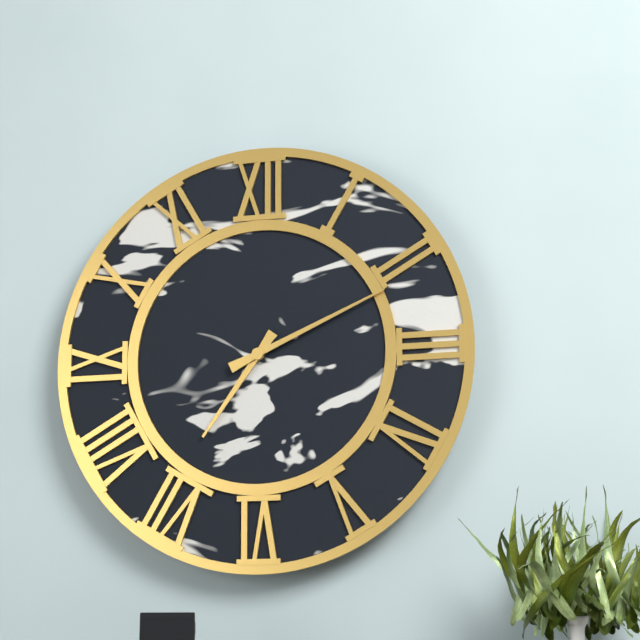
7:11
